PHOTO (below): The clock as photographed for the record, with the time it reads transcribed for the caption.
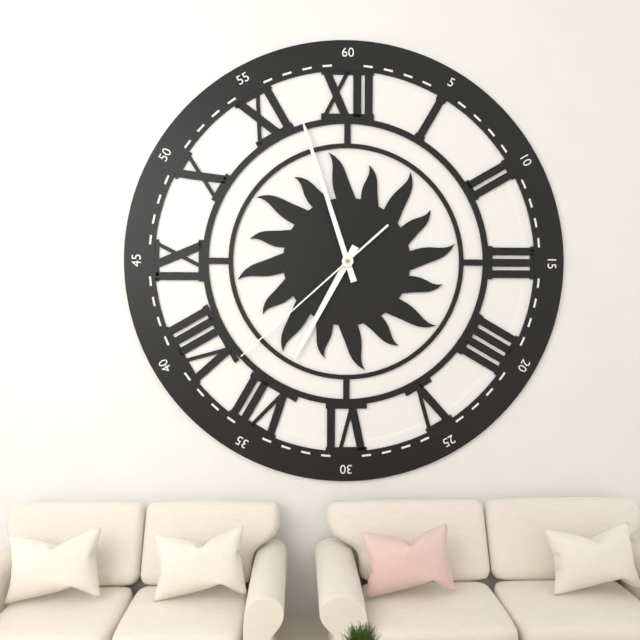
6:57:38
